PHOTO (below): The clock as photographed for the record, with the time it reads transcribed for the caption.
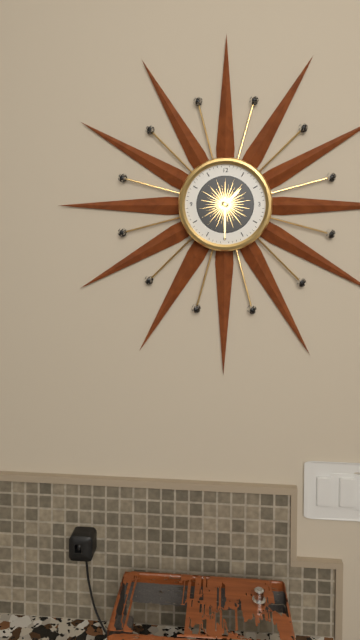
1:30
